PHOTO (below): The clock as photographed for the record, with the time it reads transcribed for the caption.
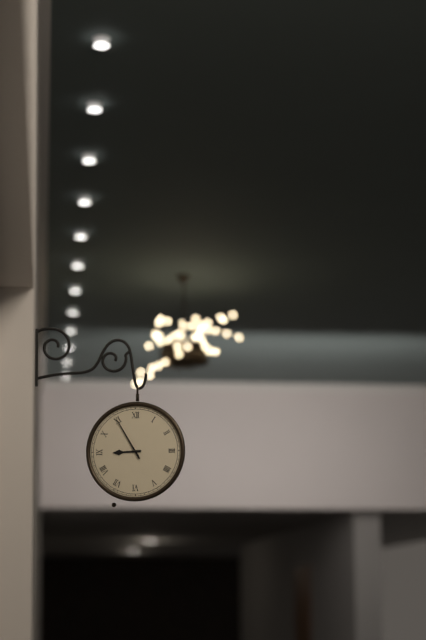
8:55
